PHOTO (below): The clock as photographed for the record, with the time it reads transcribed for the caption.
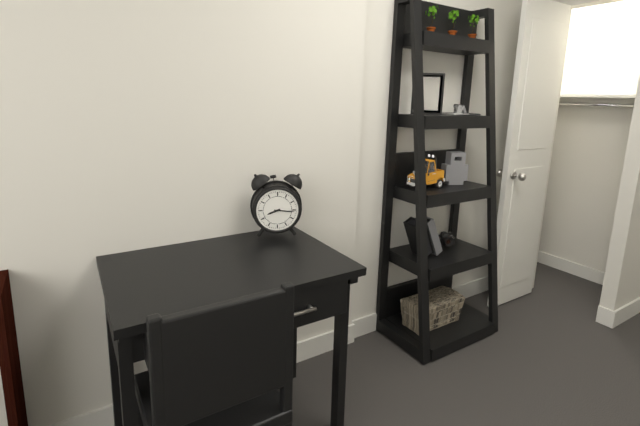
8:16
